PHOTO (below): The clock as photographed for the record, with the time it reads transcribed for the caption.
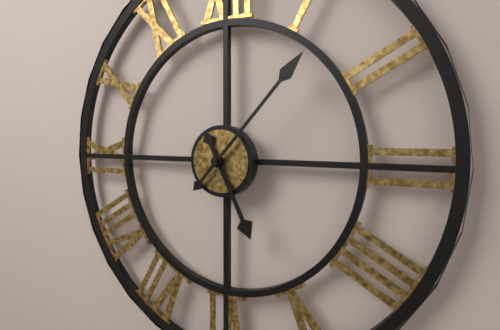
5:07
